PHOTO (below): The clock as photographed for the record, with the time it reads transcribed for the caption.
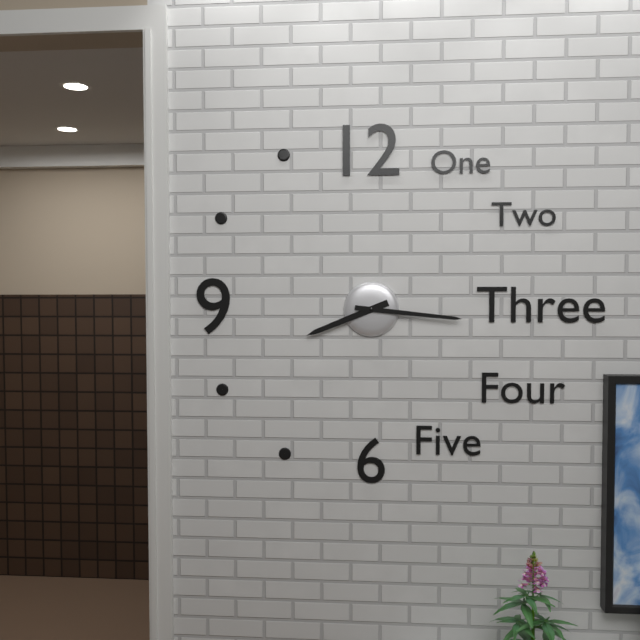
8:16
